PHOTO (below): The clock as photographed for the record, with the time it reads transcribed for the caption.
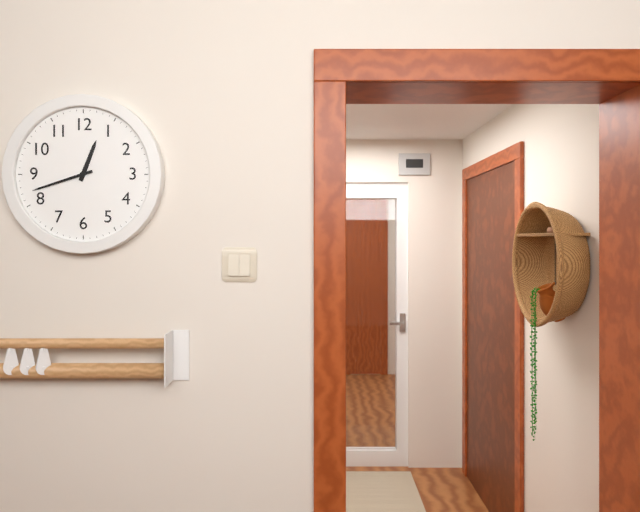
12:42
